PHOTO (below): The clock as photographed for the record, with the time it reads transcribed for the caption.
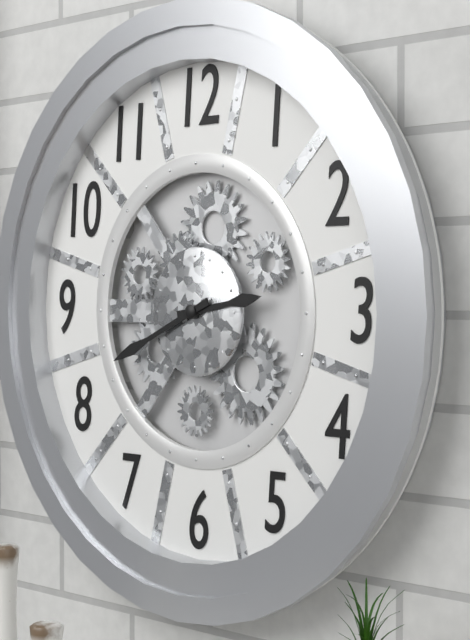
2:41
